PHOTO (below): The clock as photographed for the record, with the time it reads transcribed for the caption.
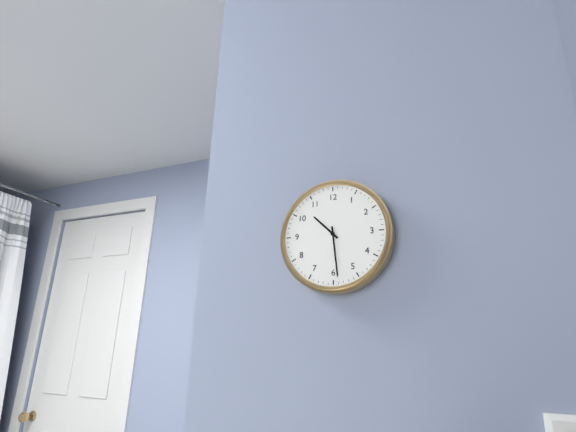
10:29
